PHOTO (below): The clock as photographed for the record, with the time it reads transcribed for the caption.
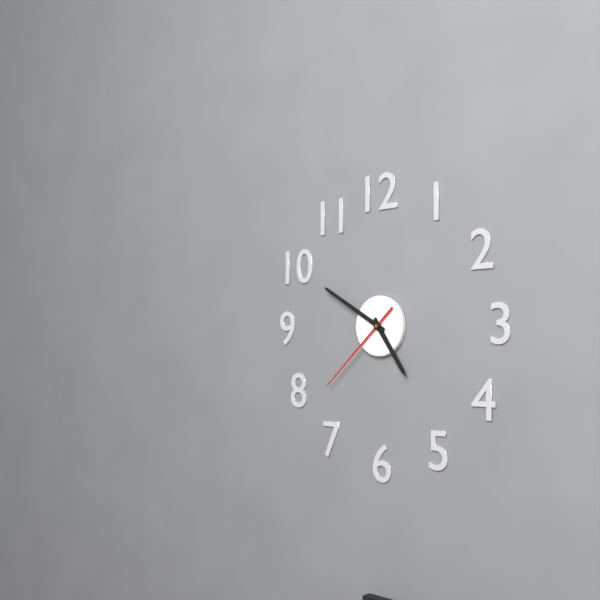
4:50:38
